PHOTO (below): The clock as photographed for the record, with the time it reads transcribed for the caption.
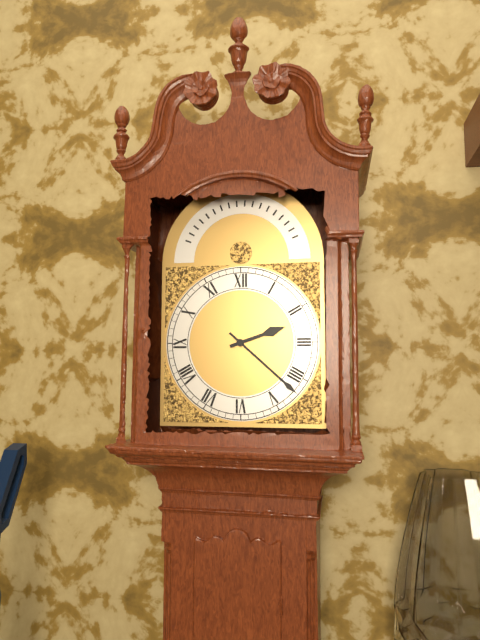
2:22
